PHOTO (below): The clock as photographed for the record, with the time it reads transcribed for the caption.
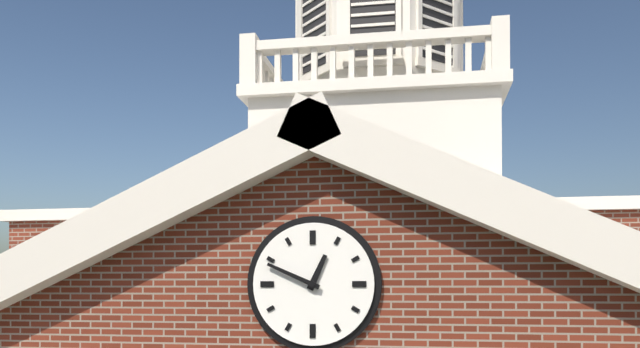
12:49
